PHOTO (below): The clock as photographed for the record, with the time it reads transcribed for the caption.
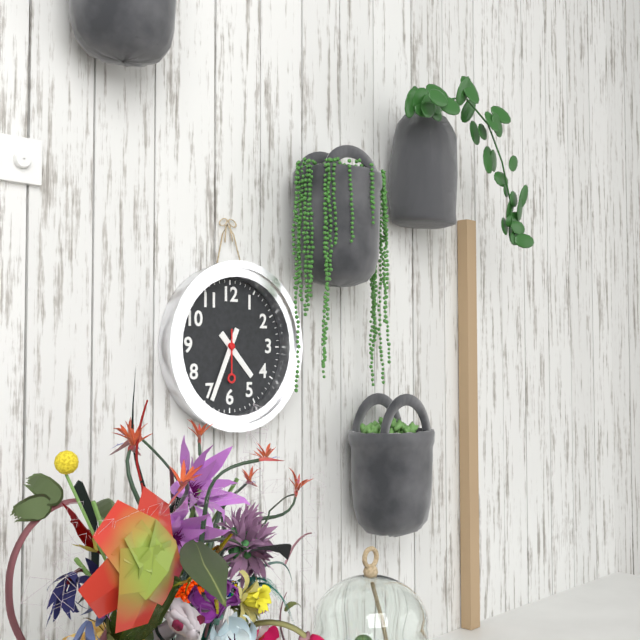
4:34
